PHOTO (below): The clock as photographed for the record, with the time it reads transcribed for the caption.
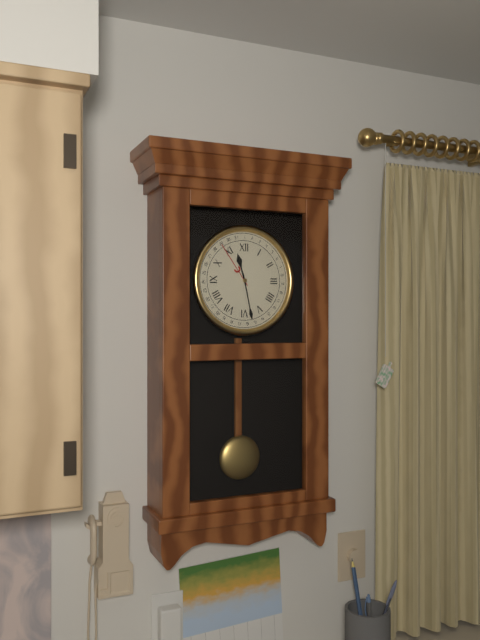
11:28
